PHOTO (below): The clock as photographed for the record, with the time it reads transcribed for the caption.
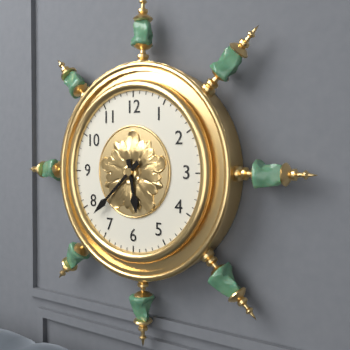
5:38
